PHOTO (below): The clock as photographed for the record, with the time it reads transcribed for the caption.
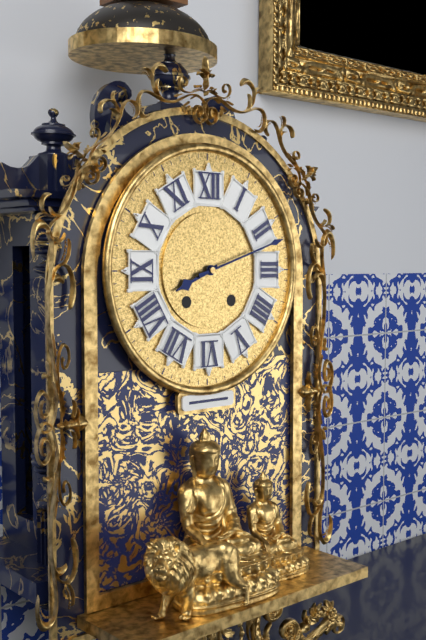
8:12
